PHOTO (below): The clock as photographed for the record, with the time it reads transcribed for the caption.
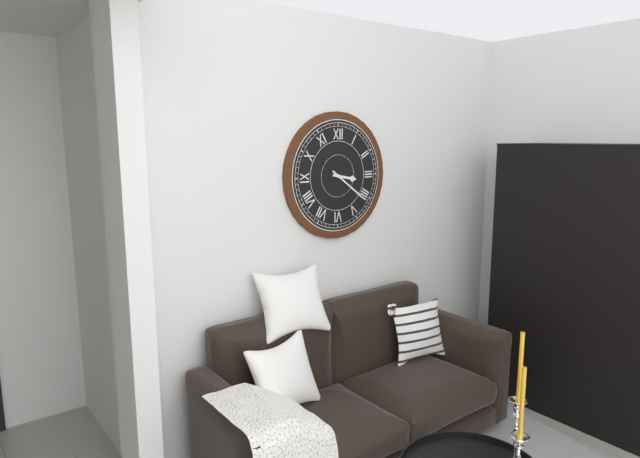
3:21
